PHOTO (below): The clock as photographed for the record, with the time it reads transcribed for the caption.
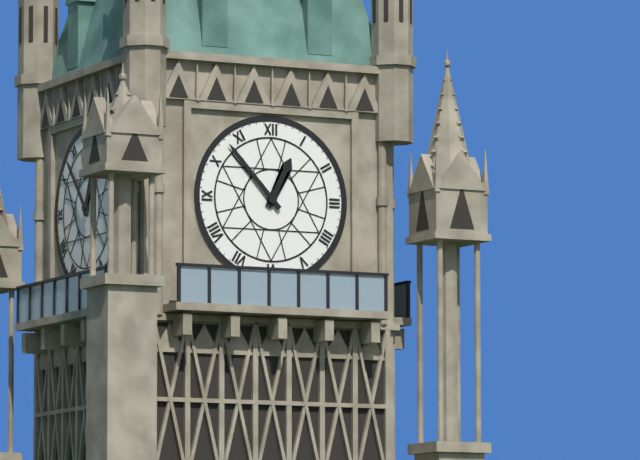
12:53
